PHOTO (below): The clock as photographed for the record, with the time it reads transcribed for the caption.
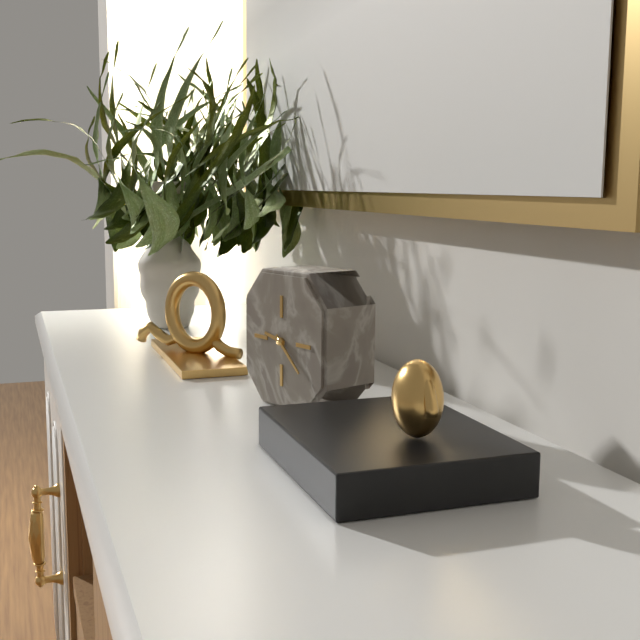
9:22
